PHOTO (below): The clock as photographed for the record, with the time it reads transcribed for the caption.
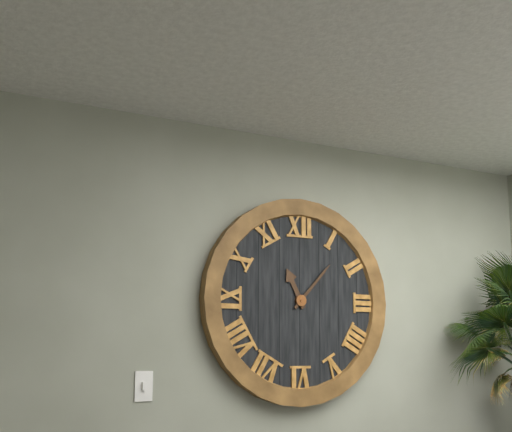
11:07
